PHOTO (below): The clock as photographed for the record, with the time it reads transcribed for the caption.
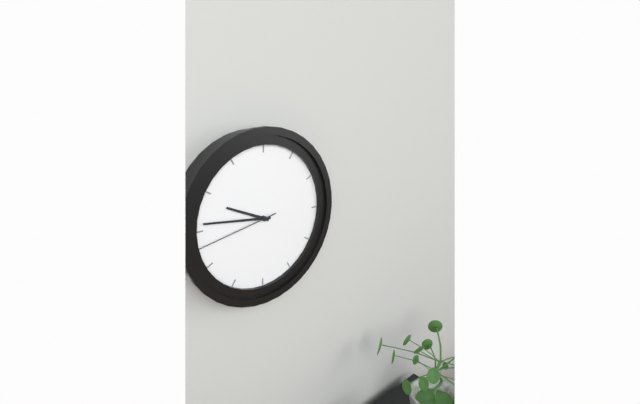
9:46:43
